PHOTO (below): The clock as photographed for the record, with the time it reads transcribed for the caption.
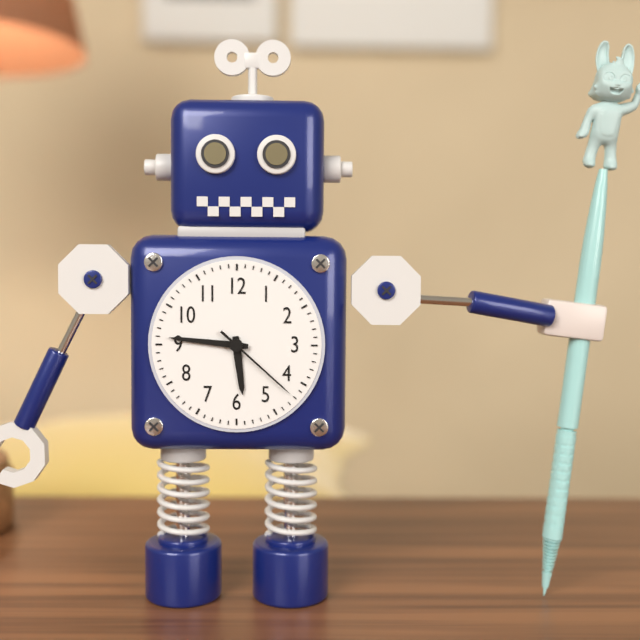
5:46:22
